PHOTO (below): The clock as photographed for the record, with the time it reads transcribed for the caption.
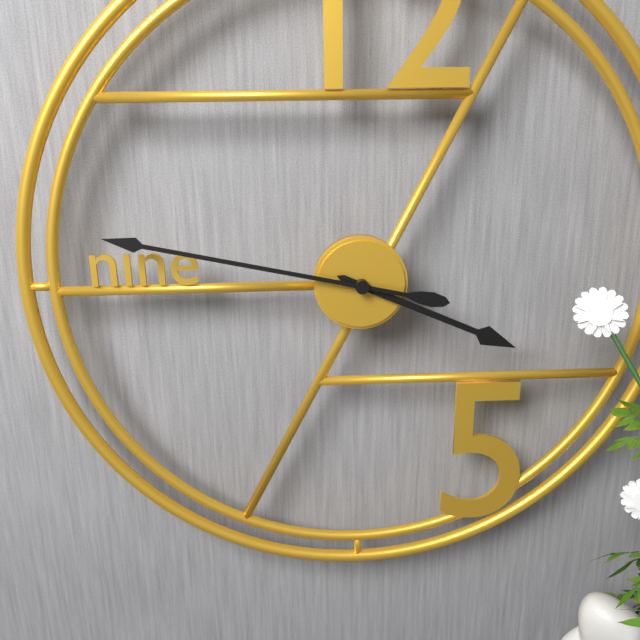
3:47
